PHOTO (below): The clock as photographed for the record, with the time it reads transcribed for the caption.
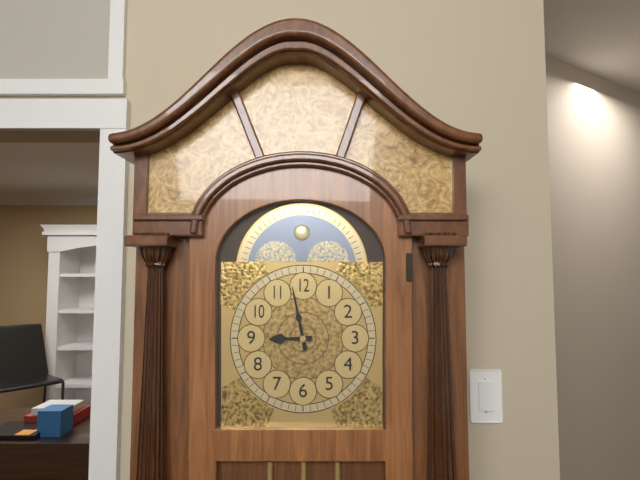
8:58
